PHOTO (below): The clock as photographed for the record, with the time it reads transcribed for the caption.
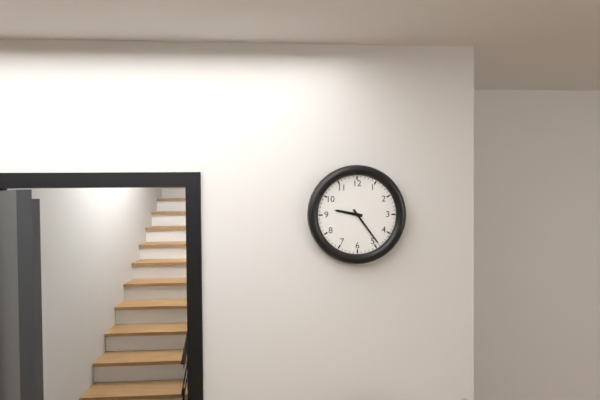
9:24
